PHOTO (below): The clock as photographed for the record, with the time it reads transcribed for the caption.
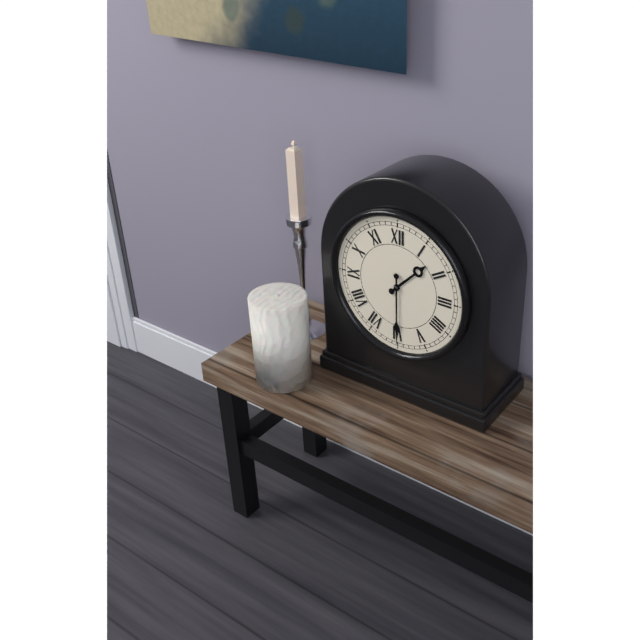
1:30
